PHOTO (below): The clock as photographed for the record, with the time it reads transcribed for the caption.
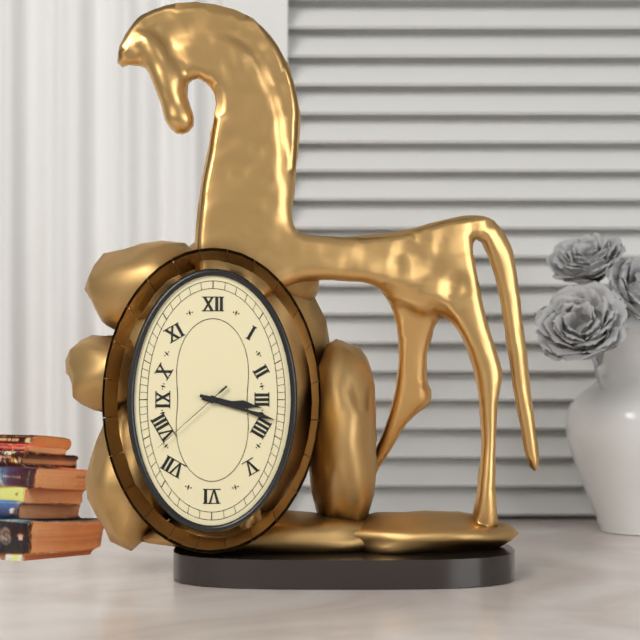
3:18:38
